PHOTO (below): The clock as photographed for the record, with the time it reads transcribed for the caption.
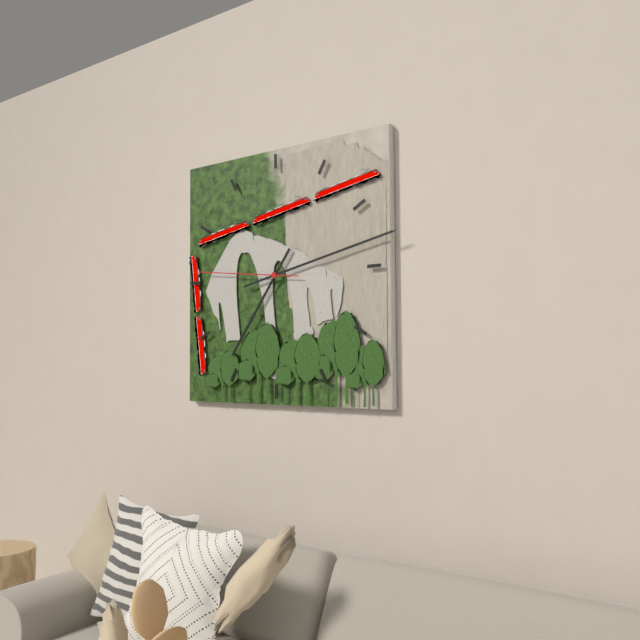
7:13:46
